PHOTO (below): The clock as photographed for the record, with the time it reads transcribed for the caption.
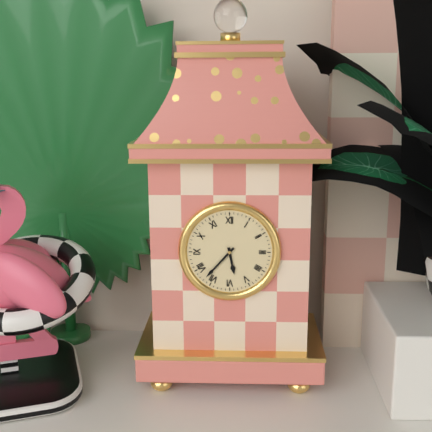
5:37
